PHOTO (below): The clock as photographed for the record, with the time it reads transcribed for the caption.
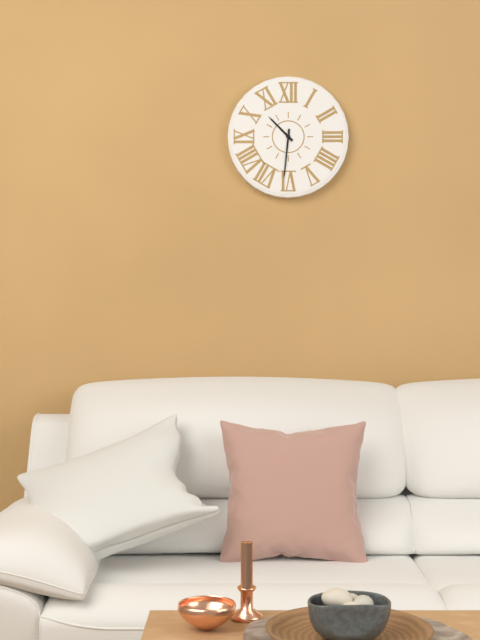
10:31
